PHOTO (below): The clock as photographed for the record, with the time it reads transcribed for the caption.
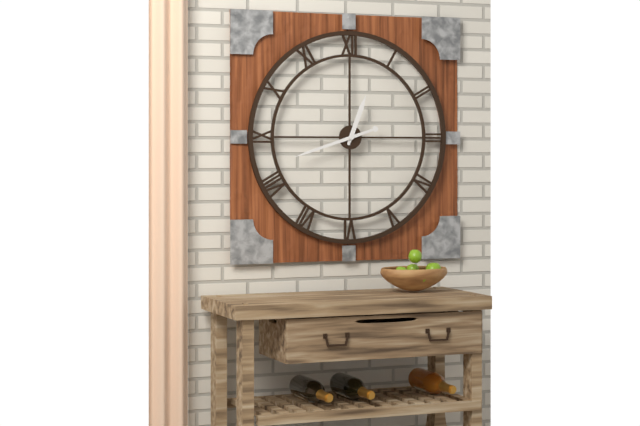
12:42
